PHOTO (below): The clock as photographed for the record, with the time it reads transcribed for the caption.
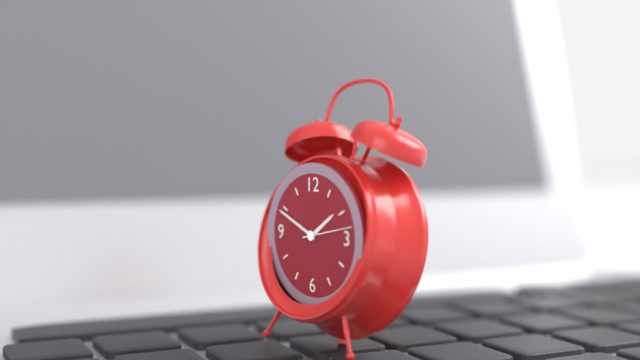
1:49:13
